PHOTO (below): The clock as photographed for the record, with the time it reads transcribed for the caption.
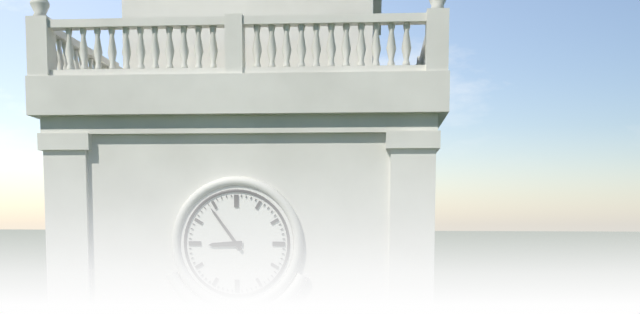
8:54
